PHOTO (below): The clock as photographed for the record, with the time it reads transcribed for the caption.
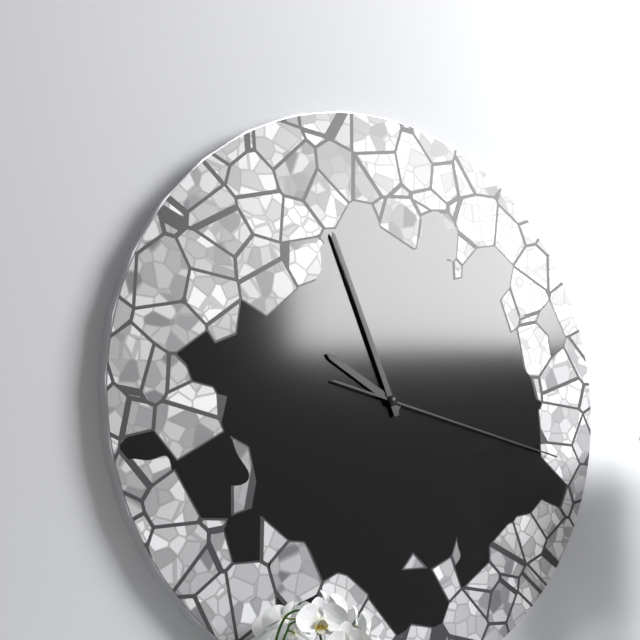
9:56:17
